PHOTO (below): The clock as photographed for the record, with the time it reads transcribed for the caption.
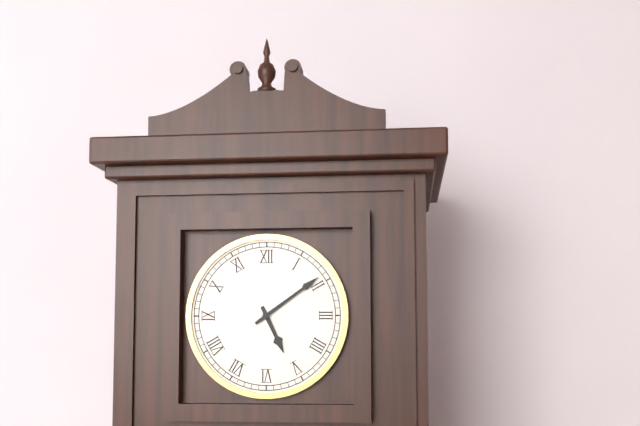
5:09
